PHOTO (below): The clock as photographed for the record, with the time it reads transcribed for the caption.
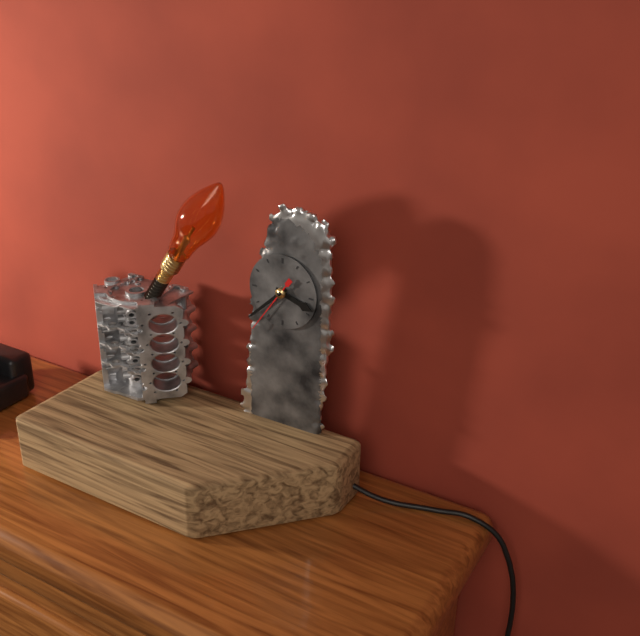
3:38:36
